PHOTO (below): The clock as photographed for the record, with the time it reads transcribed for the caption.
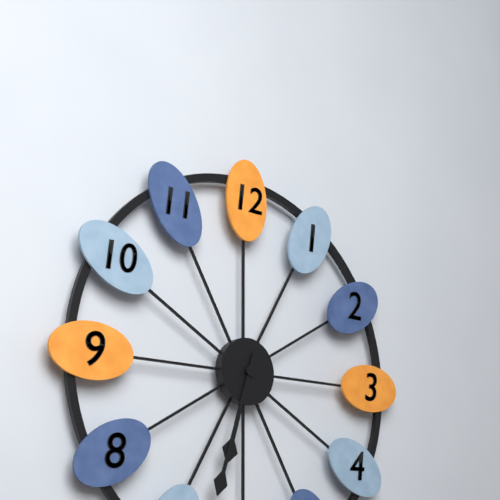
6:33
